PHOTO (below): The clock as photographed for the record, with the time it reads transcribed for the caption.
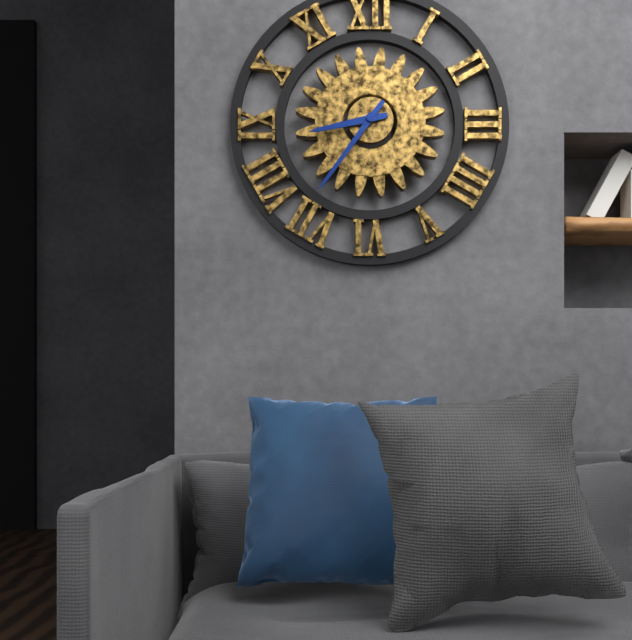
8:36
